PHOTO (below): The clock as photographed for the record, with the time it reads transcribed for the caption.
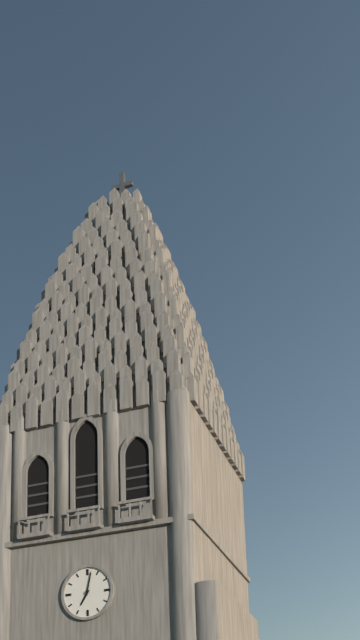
7:02
